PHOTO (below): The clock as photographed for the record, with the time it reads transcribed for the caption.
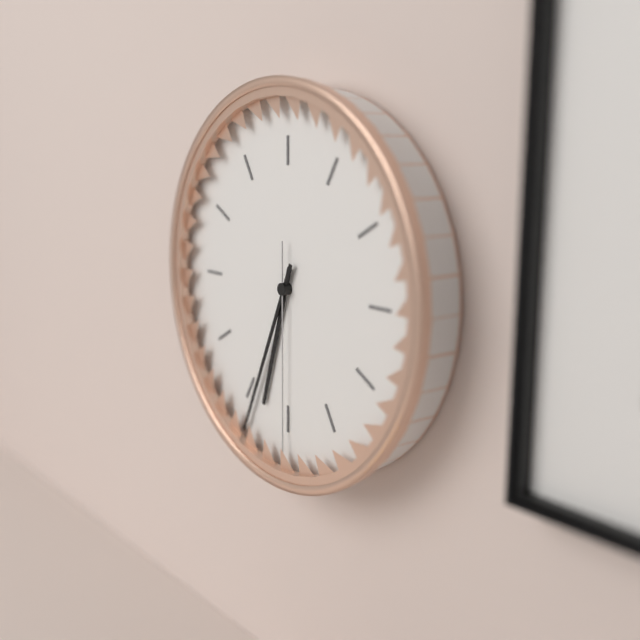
6:34:30
